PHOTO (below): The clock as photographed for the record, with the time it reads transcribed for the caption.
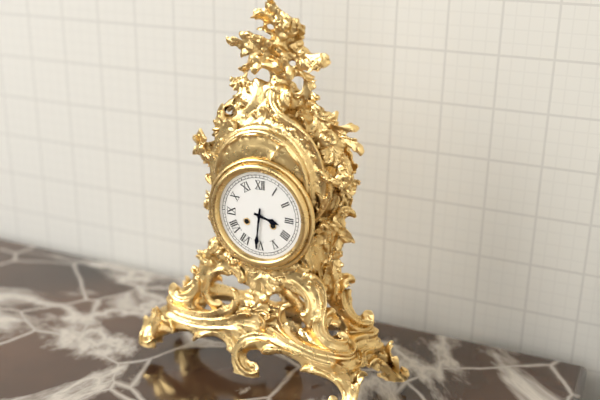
3:31
